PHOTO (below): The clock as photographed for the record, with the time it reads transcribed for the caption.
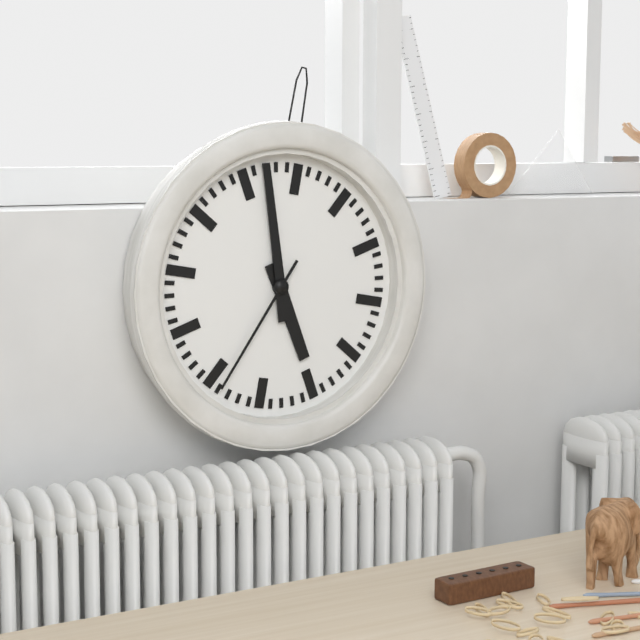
4:57:34
